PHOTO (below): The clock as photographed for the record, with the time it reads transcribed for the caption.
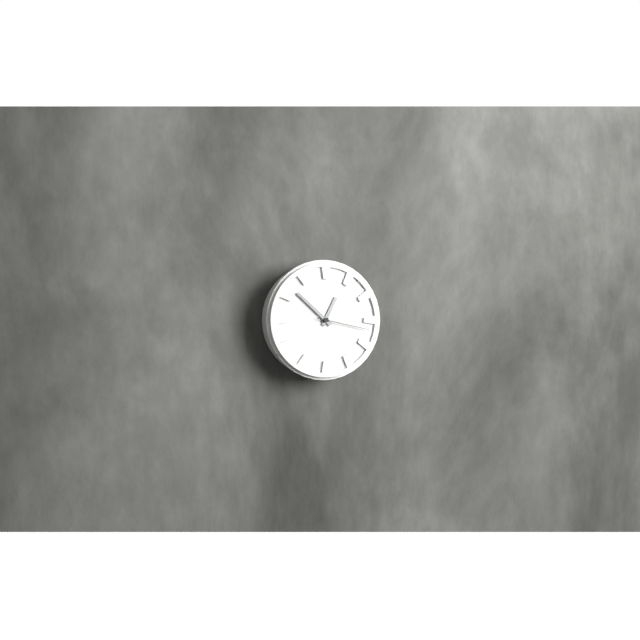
12:52:17
